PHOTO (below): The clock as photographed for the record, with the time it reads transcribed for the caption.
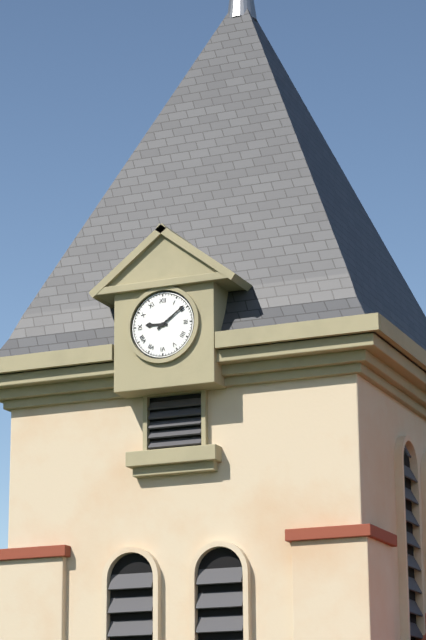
9:09
